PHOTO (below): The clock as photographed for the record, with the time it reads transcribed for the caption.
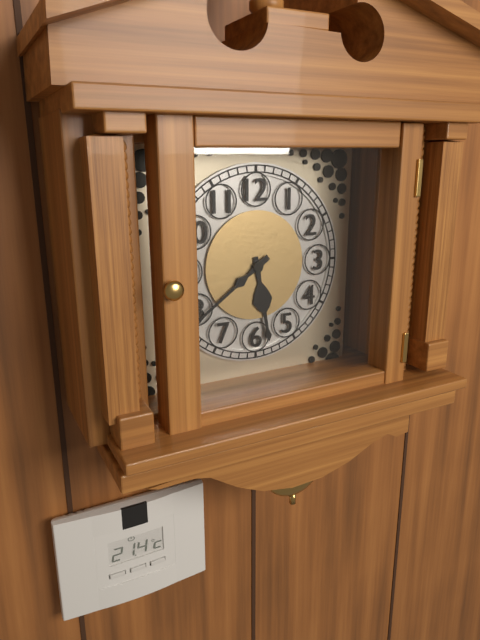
5:39
